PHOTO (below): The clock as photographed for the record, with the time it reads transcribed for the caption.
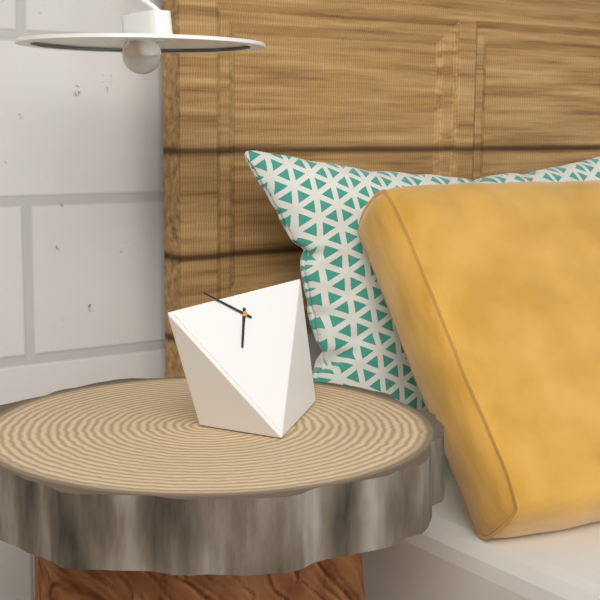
6:51
